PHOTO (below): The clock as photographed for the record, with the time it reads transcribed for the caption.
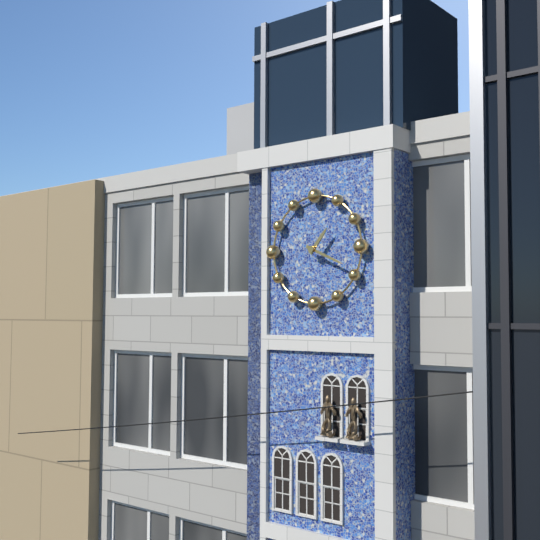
1:19
